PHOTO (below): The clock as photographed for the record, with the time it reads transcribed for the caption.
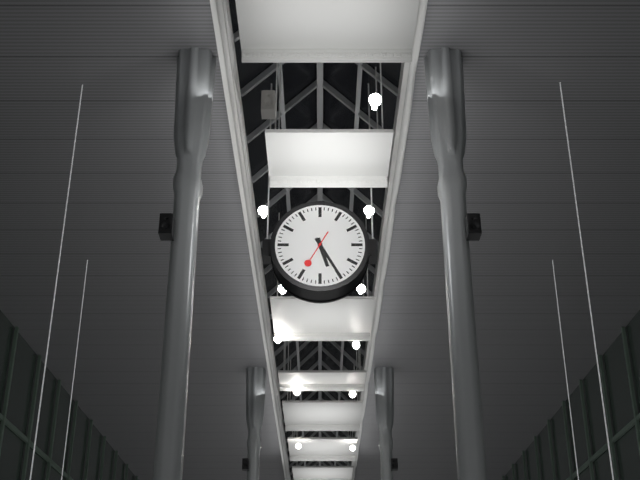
5:25
